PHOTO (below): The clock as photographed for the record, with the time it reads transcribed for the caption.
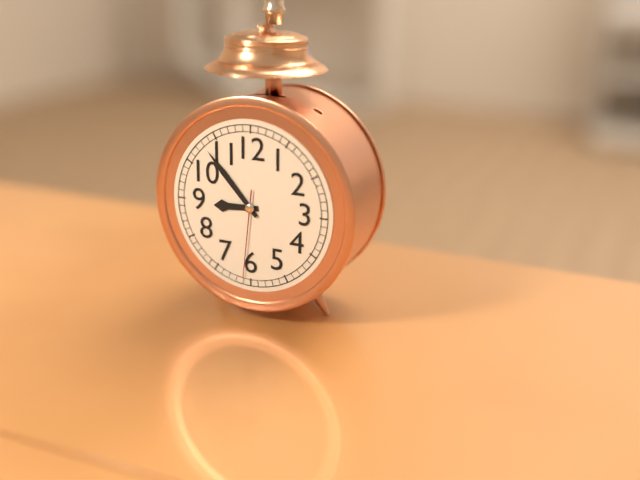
8:53:31
